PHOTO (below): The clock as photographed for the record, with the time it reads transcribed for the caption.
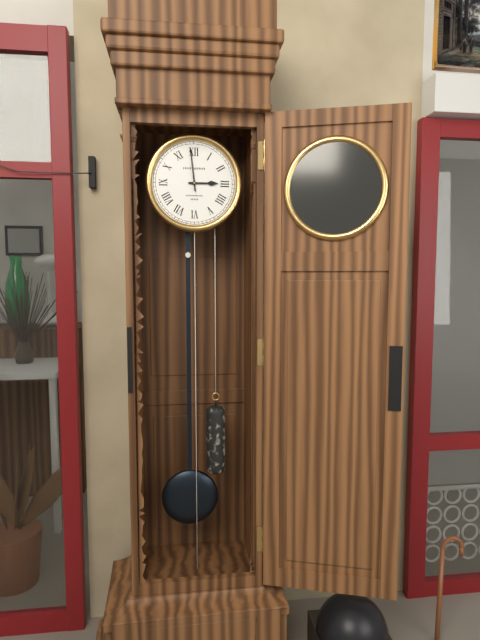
2:59
